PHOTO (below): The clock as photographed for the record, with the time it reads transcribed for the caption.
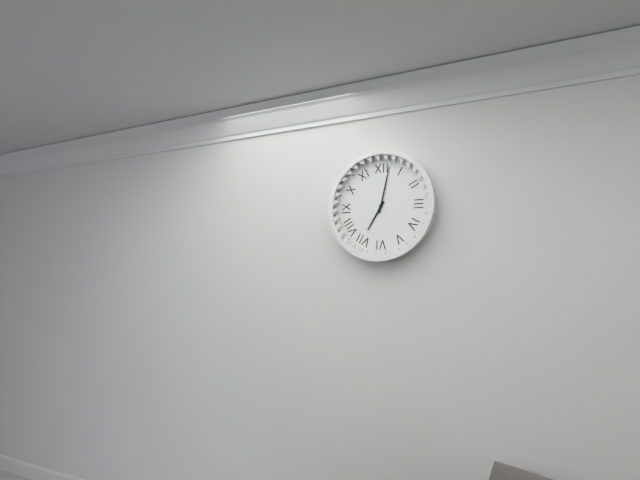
7:02
